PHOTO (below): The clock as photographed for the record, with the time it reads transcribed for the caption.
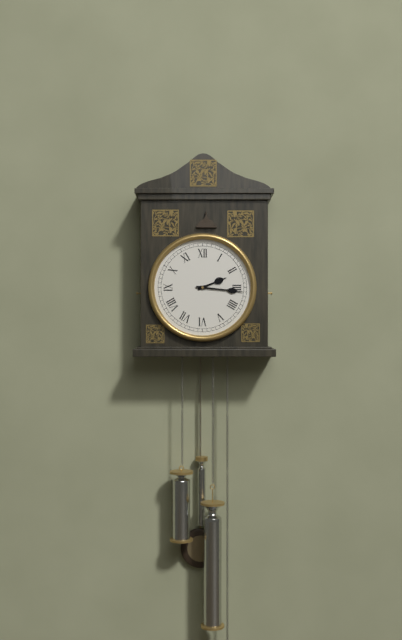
2:16
